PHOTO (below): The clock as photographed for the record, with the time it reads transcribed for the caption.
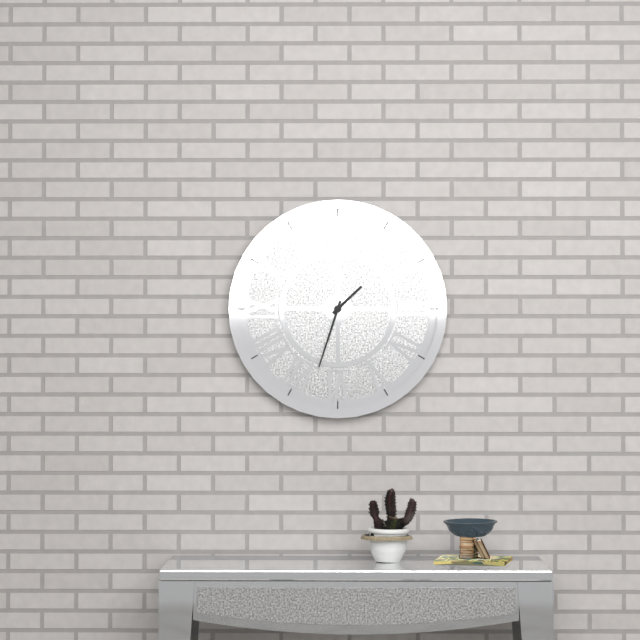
1:33
